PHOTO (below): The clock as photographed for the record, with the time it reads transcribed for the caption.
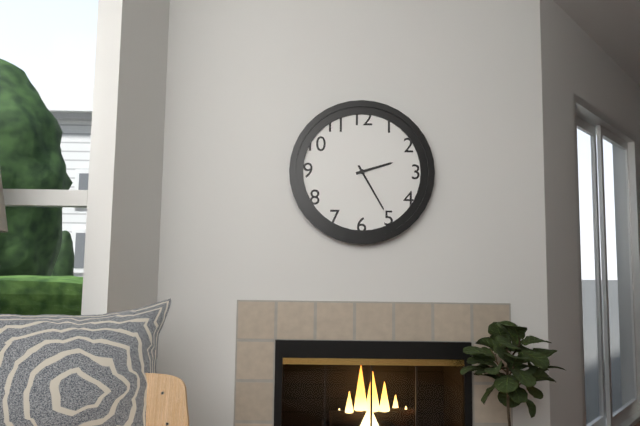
2:25
